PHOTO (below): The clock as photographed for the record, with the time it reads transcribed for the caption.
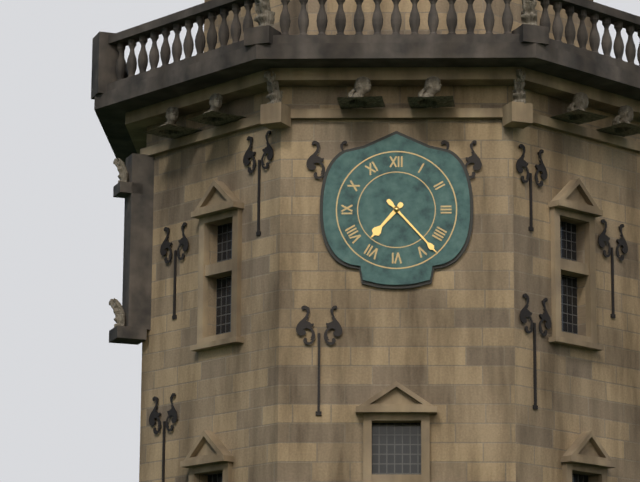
7:23
